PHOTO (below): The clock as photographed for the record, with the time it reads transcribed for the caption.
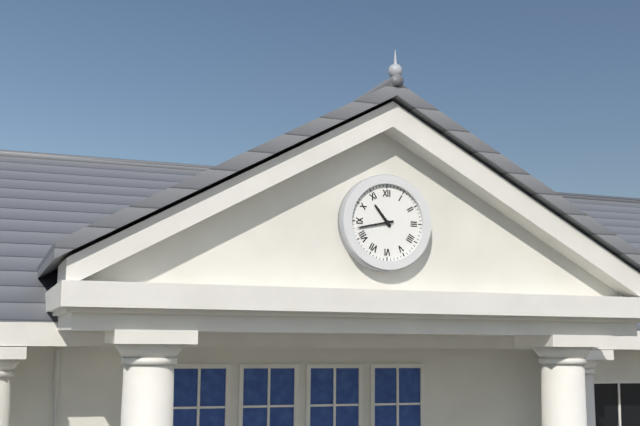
10:43
